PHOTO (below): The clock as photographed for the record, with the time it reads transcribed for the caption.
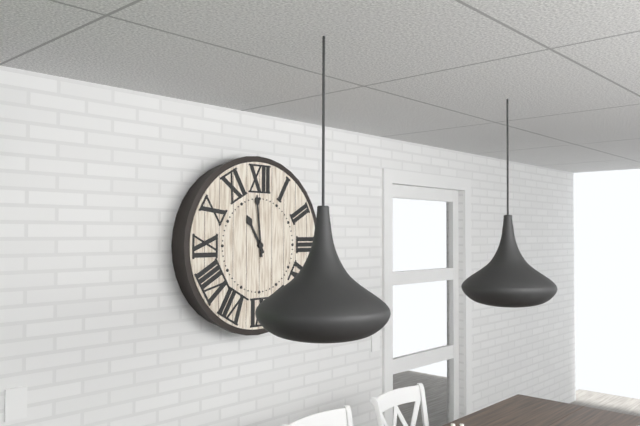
10:59
